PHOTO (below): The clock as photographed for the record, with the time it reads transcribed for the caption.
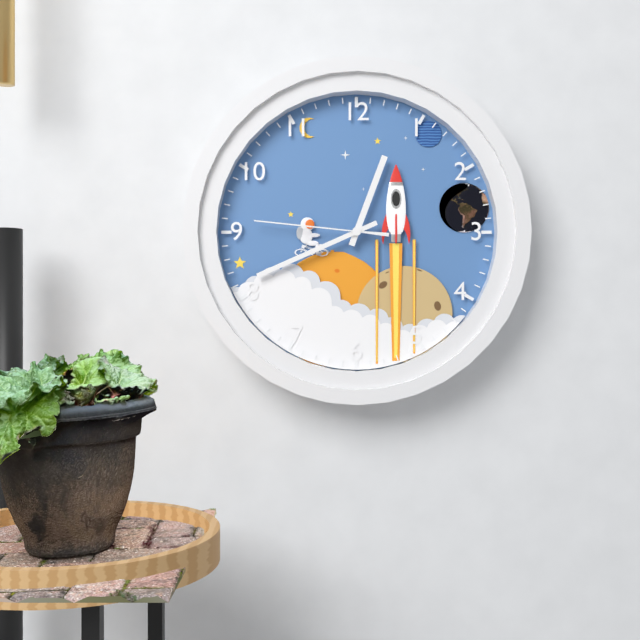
12:41:46
